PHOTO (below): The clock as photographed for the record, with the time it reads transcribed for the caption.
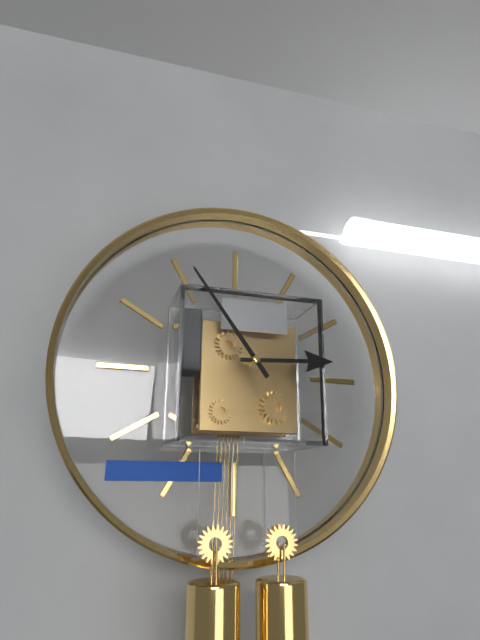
2:54
